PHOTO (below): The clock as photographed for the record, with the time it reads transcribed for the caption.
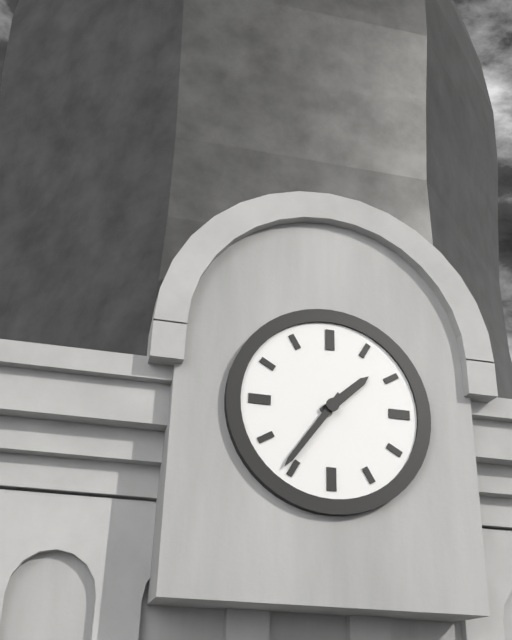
1:36
